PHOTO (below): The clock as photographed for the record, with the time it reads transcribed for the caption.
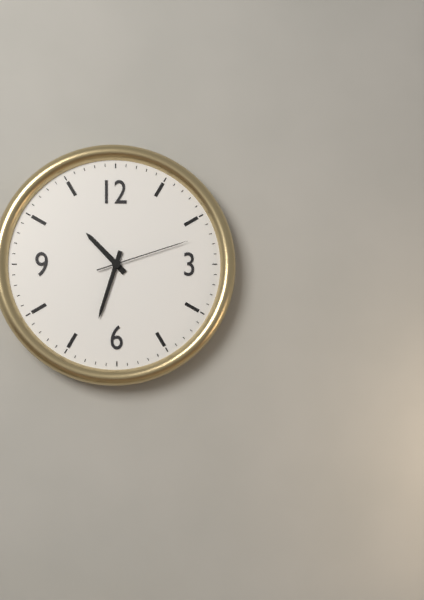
10:33:12
